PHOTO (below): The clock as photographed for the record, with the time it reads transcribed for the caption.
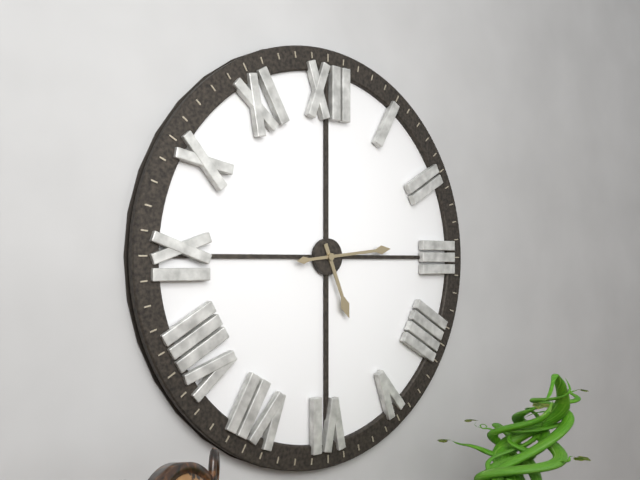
5:14
